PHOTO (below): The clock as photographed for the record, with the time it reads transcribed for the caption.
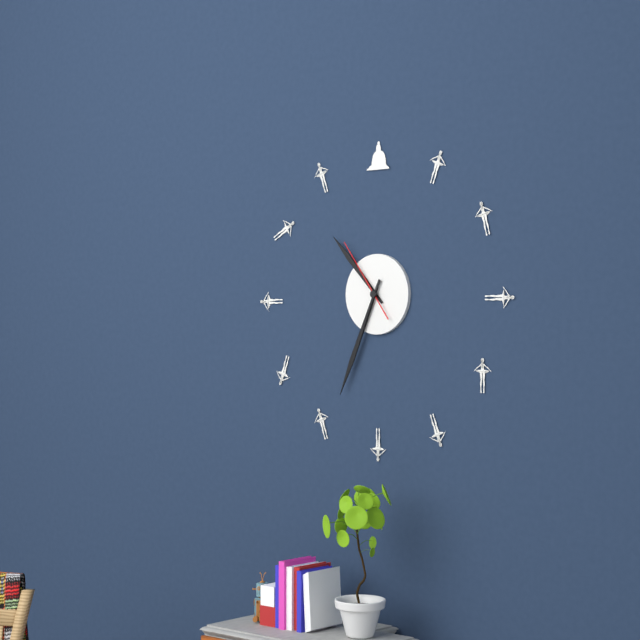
10:34:54
